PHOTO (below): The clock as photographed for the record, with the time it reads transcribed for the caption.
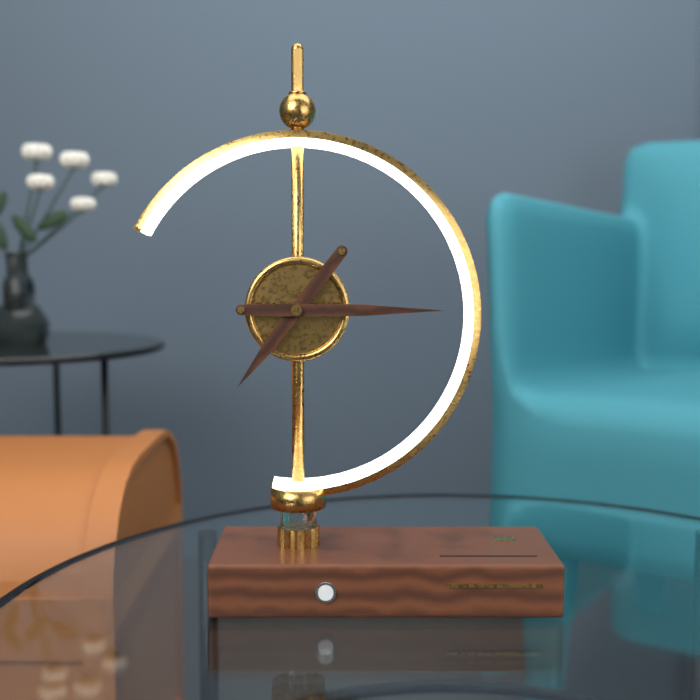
7:15
